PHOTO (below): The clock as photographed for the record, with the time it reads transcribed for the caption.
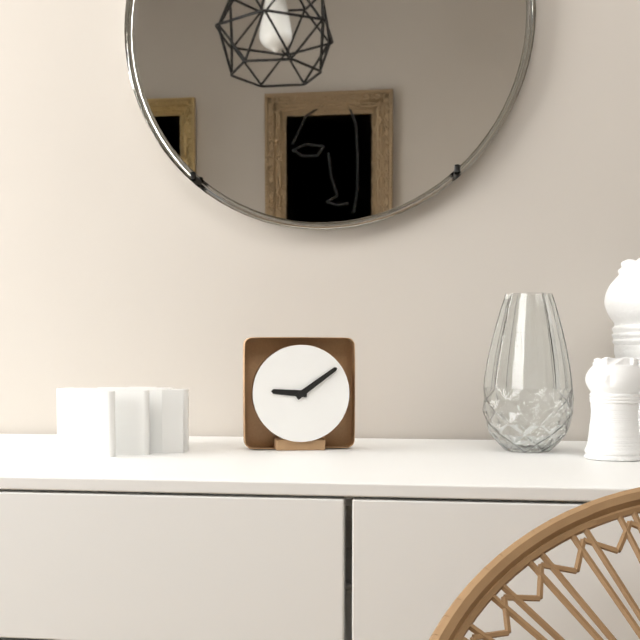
9:09
